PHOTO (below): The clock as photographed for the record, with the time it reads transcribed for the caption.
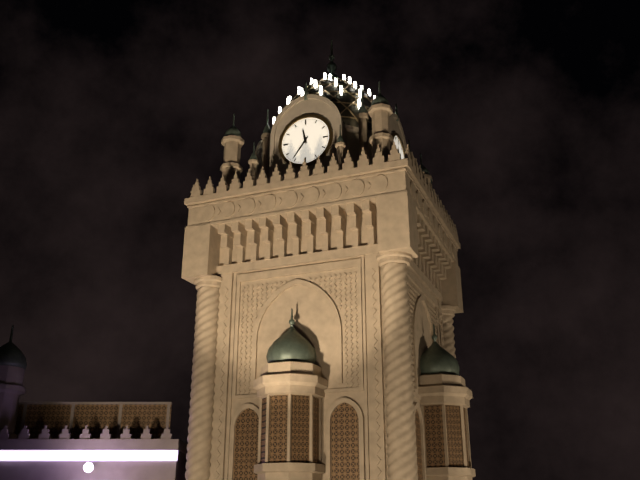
11:36
